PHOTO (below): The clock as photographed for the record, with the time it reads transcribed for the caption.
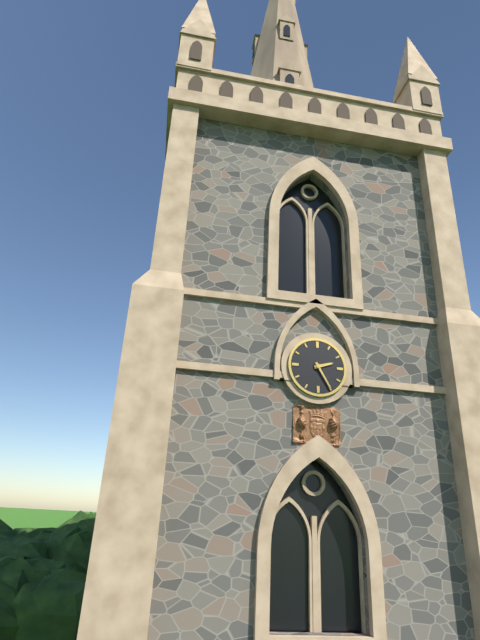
2:25
